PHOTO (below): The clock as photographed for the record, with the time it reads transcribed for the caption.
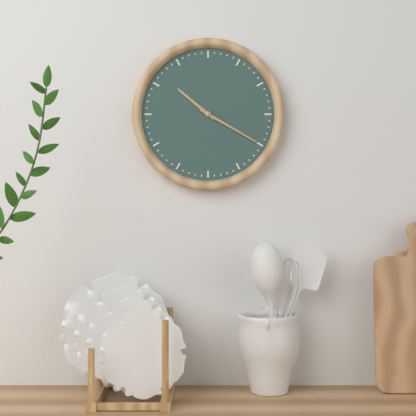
10:20
